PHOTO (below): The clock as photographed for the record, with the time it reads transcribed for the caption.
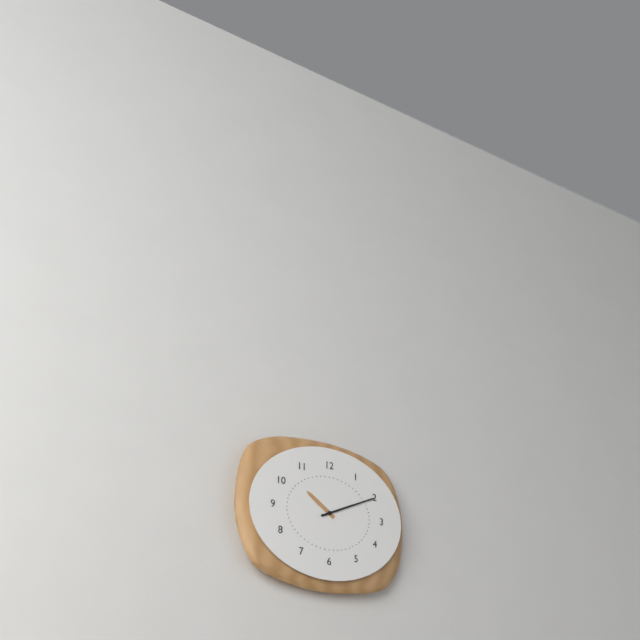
10:11
